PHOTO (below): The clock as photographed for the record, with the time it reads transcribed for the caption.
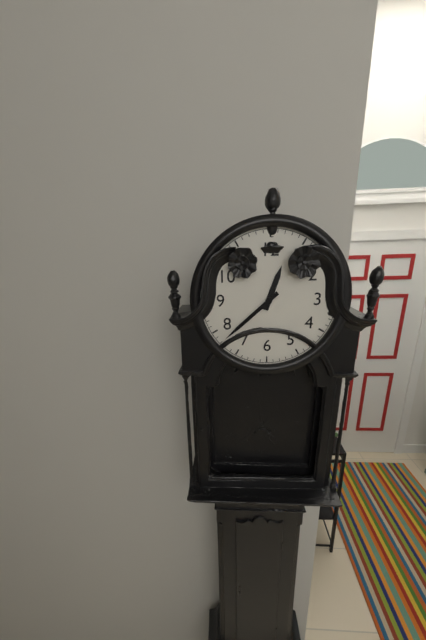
12:38
